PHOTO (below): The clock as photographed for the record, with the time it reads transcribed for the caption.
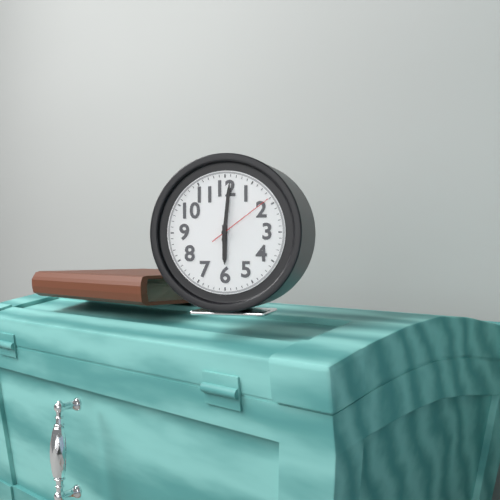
6:01:09
